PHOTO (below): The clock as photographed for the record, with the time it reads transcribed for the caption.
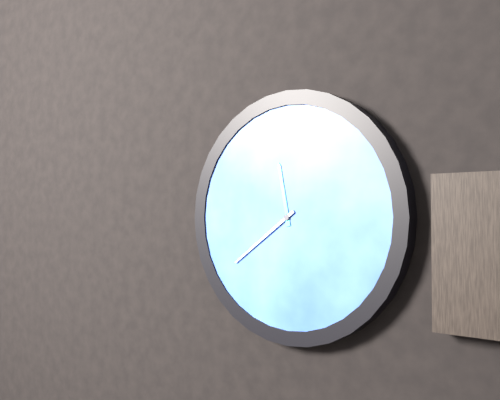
11:39
